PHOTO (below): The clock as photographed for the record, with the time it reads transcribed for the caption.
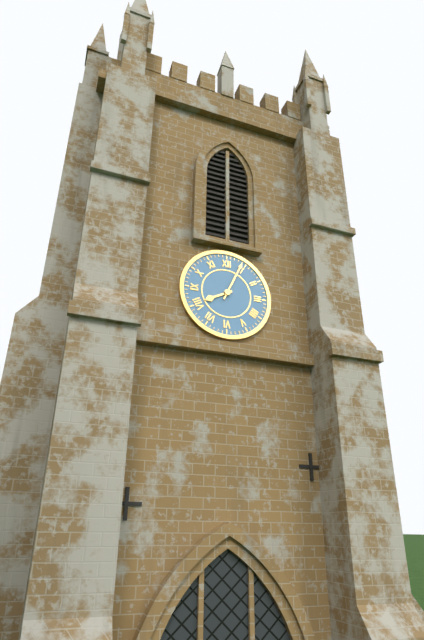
8:04
